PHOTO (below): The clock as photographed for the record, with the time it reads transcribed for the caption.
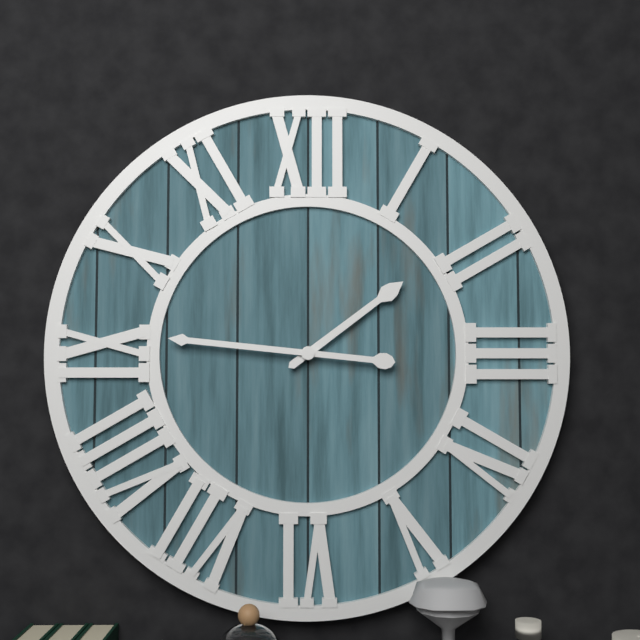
1:46
